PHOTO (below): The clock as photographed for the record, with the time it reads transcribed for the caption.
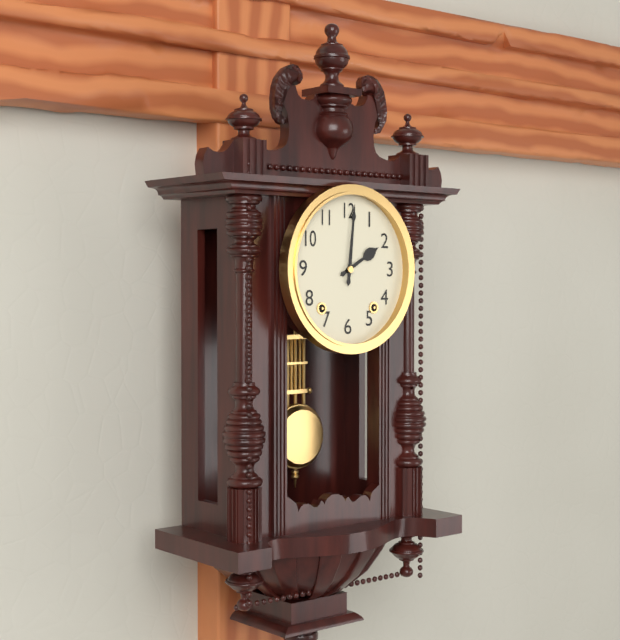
2:01
